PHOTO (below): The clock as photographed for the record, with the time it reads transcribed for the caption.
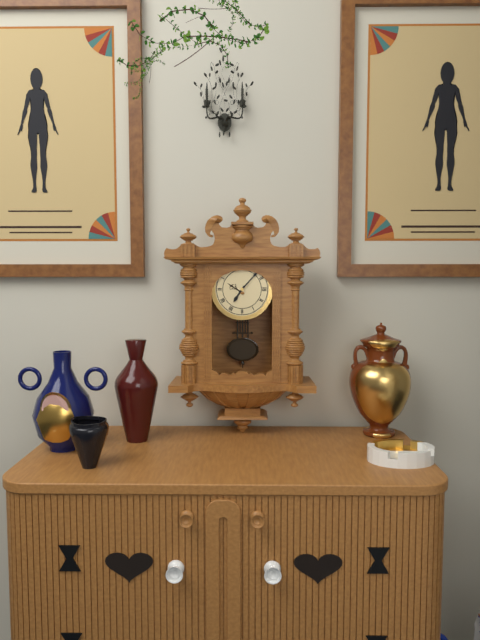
7:07
